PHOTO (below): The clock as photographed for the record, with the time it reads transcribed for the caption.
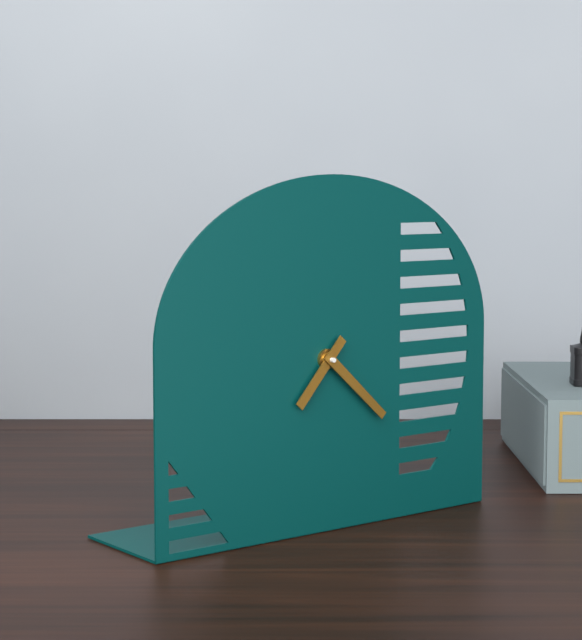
7:22
